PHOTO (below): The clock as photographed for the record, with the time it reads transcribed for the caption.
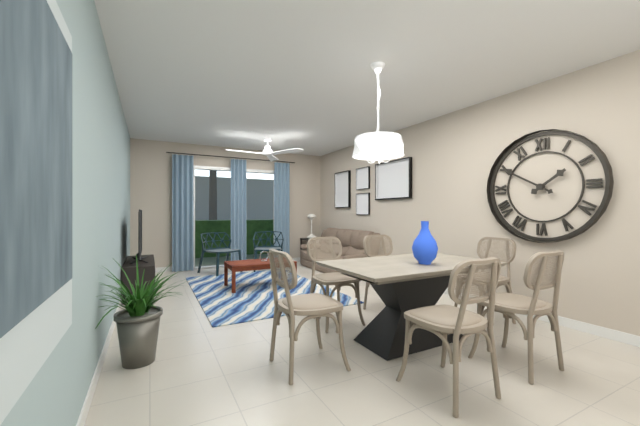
1:50
